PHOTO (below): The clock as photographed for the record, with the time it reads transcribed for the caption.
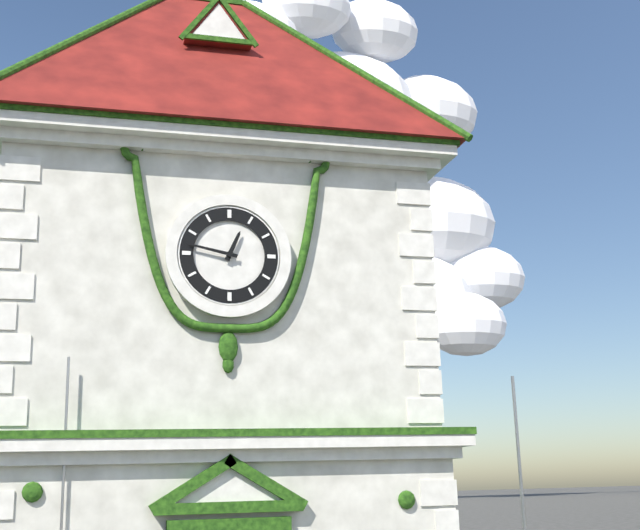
12:47
